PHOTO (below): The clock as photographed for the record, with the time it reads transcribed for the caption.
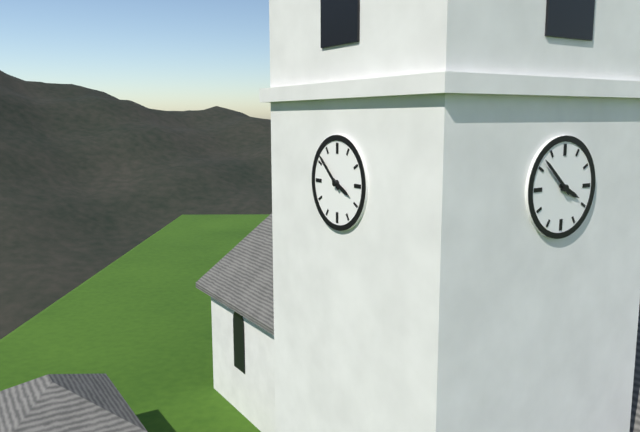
3:52
